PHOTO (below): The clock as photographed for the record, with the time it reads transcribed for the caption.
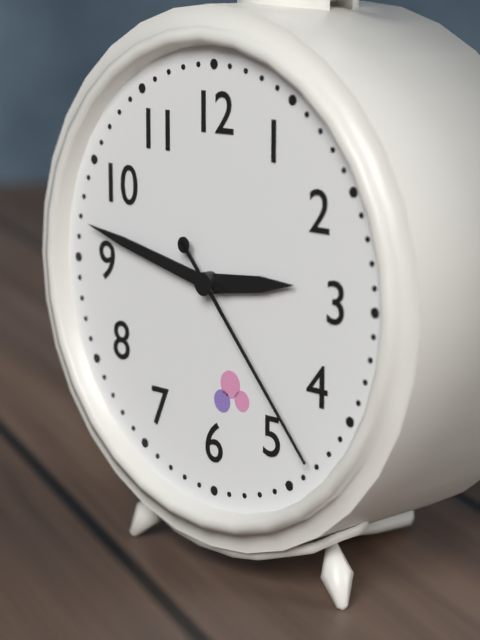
2:47:23
